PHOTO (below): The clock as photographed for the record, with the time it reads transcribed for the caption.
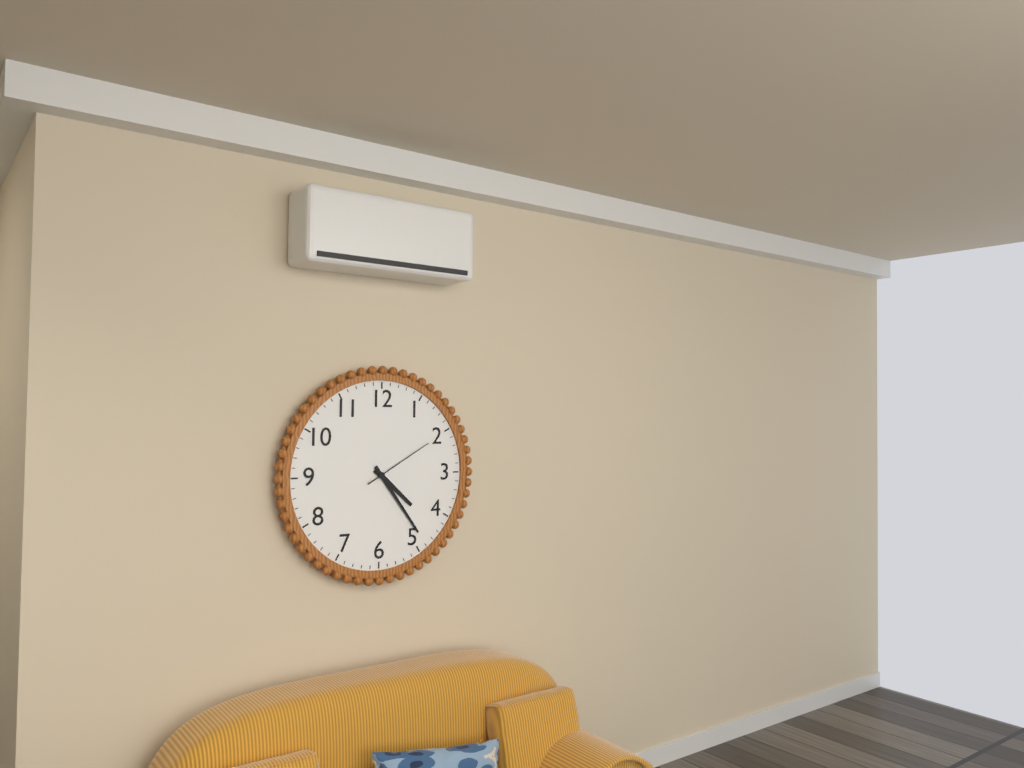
4:24:10
